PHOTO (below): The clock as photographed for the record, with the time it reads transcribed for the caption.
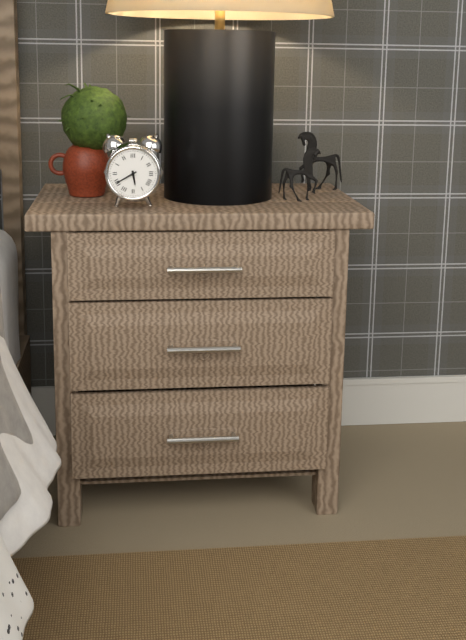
5:40
